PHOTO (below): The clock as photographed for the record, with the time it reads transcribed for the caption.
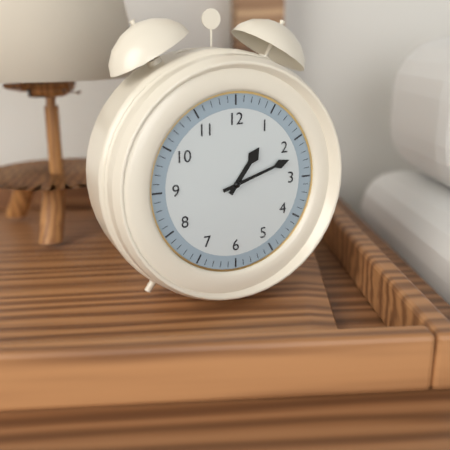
1:12
